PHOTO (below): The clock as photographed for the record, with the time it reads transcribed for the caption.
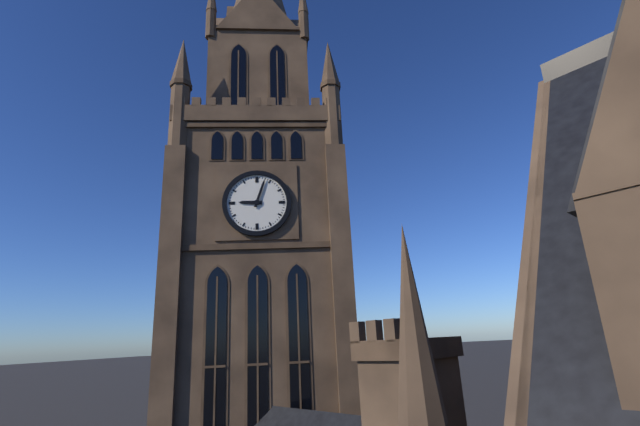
9:03
